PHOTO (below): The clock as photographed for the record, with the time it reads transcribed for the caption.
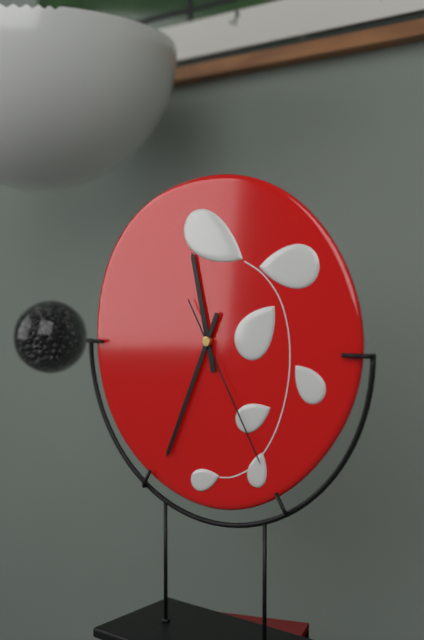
11:34:25
